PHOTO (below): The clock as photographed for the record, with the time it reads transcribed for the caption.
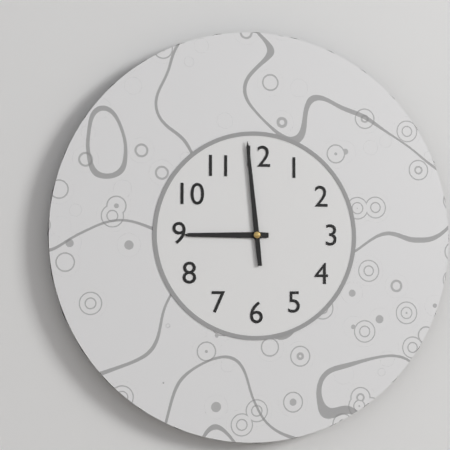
8:59
